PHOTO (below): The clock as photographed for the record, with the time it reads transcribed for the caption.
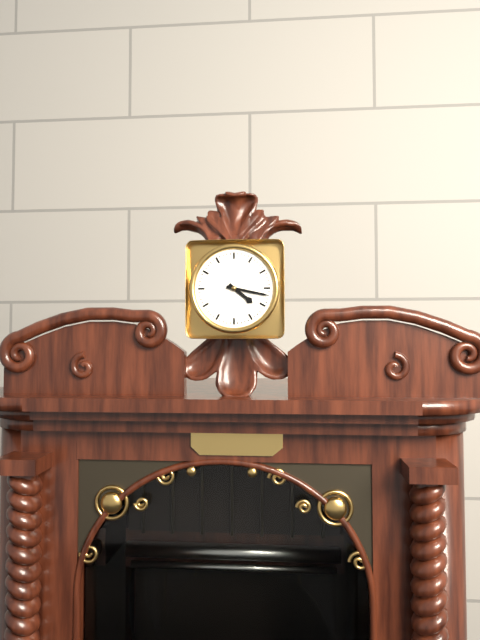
4:17
